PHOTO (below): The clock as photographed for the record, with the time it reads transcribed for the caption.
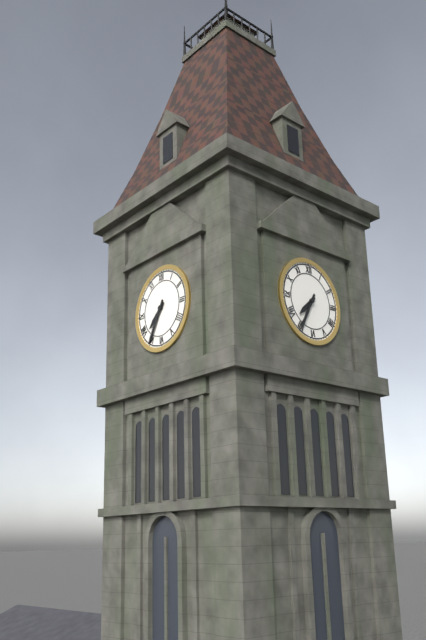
7:35
